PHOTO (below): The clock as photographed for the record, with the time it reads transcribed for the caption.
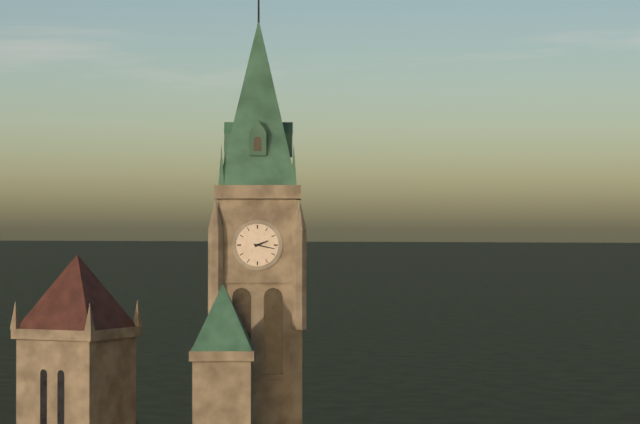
2:17
